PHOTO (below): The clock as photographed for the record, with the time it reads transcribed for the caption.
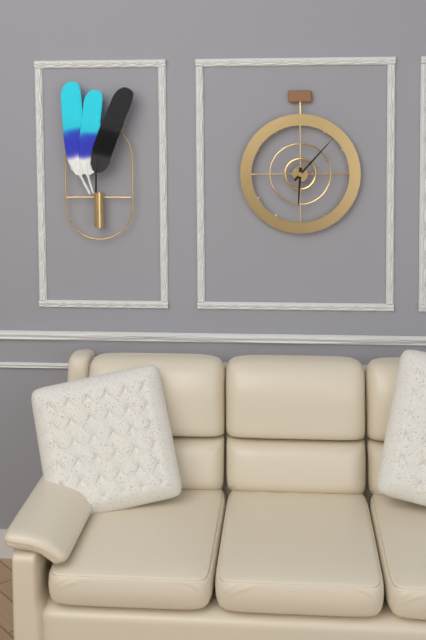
6:07
